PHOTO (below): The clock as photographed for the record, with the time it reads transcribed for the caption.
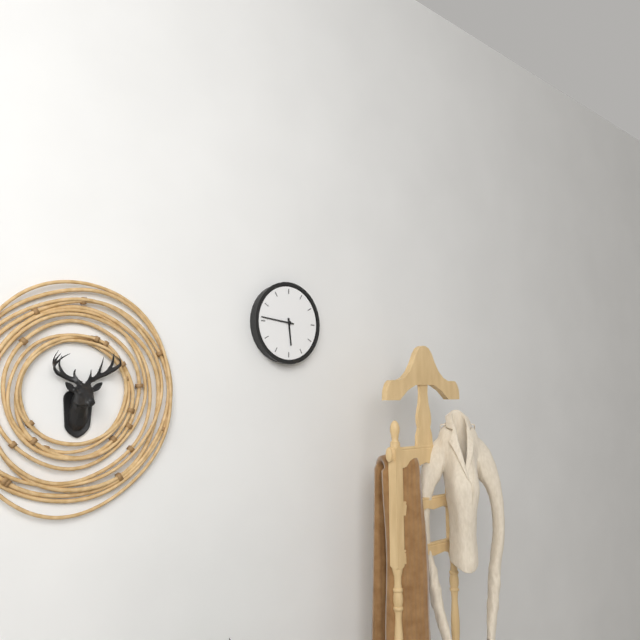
5:46
